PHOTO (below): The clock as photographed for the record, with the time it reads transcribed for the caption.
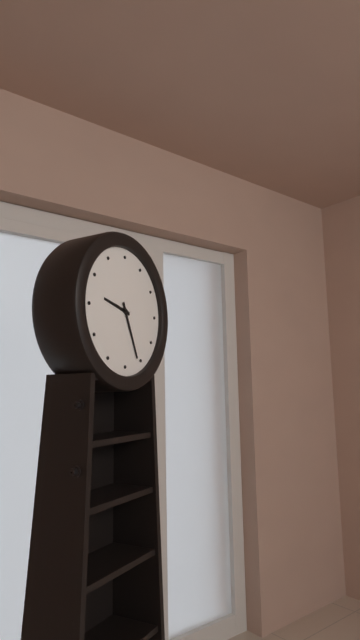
9:26
